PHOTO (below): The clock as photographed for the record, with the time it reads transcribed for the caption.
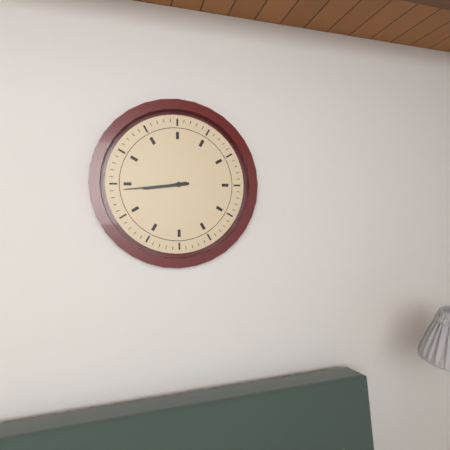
8:44
